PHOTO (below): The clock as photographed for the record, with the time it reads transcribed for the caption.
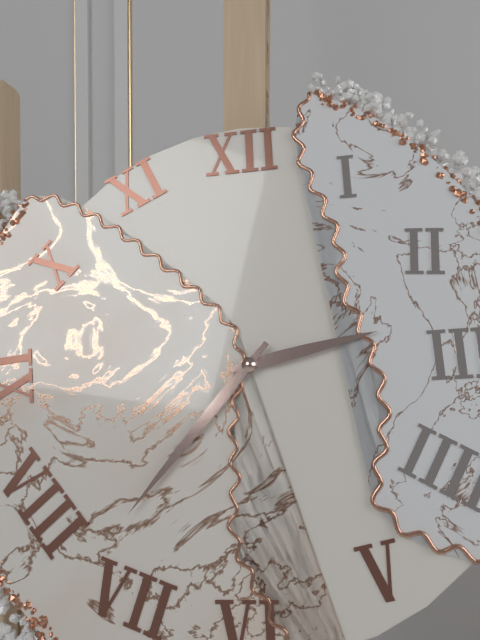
2:37
